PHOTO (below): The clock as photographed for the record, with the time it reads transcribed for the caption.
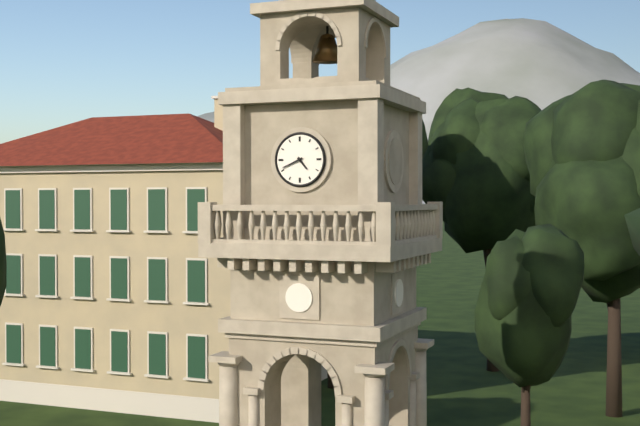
4:41
